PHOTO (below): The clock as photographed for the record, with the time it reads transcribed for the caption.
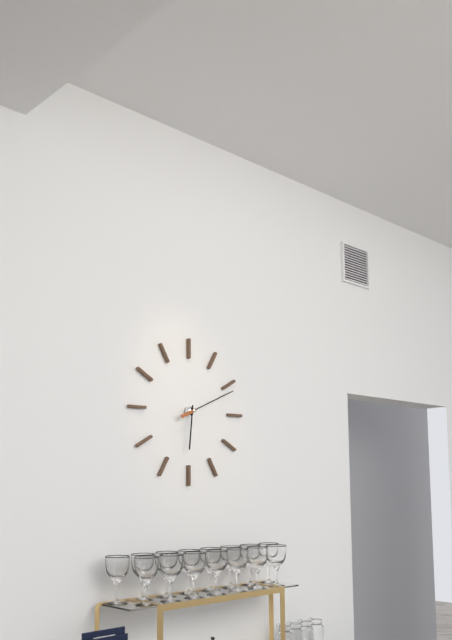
6:11
